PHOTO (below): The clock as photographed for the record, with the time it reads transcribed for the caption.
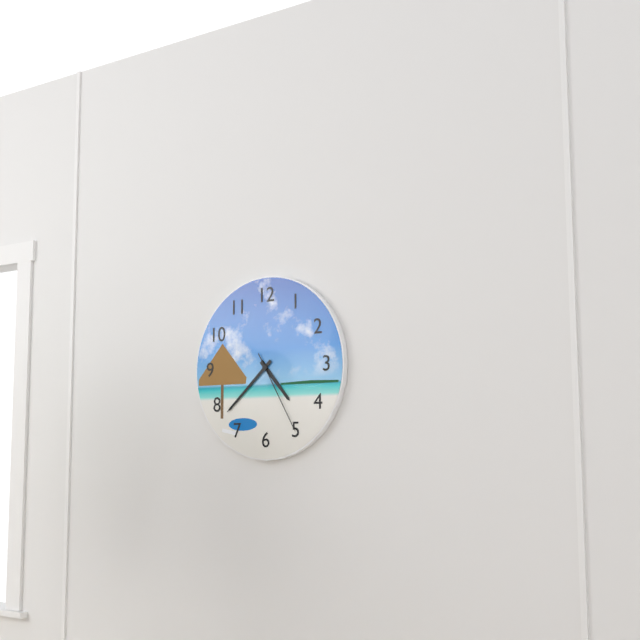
4:38:25
